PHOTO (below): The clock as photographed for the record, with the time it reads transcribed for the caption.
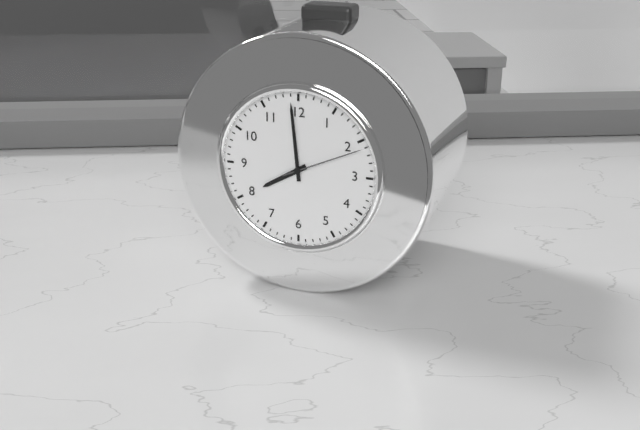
7:59:11
